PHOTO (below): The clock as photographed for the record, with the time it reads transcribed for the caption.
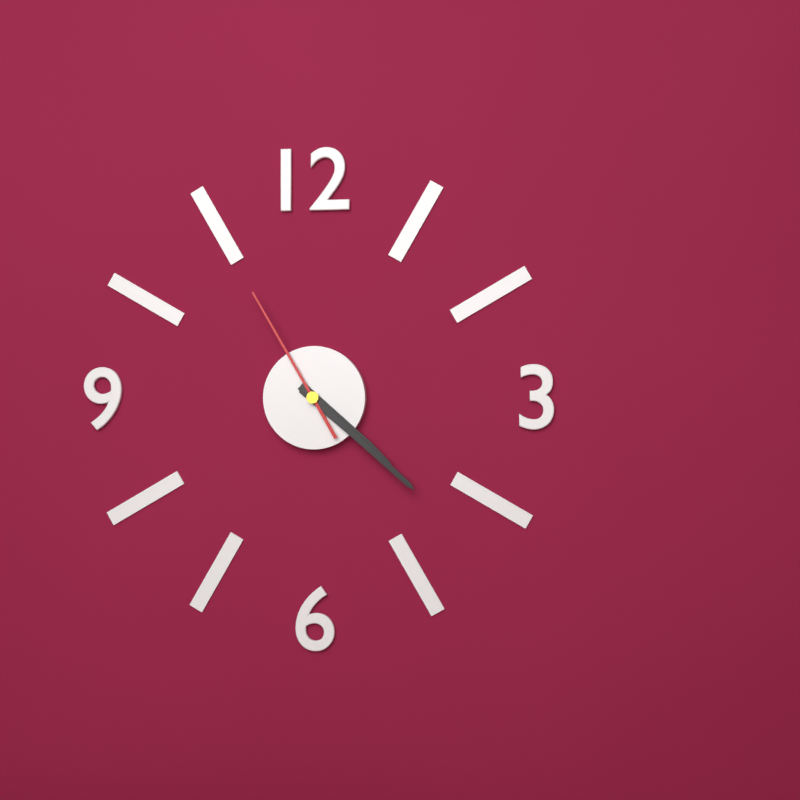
4:22:55
